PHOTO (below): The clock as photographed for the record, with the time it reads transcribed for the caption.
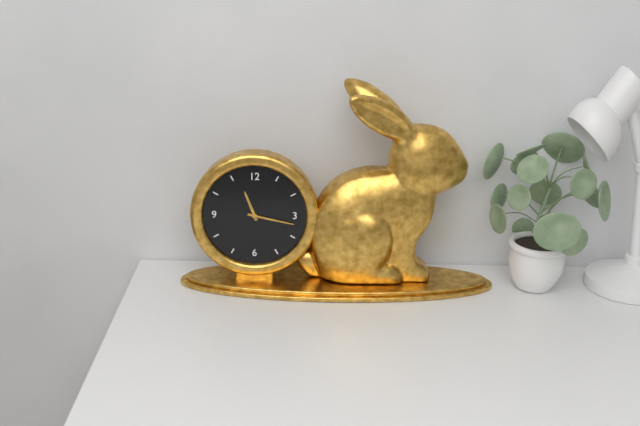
11:17
